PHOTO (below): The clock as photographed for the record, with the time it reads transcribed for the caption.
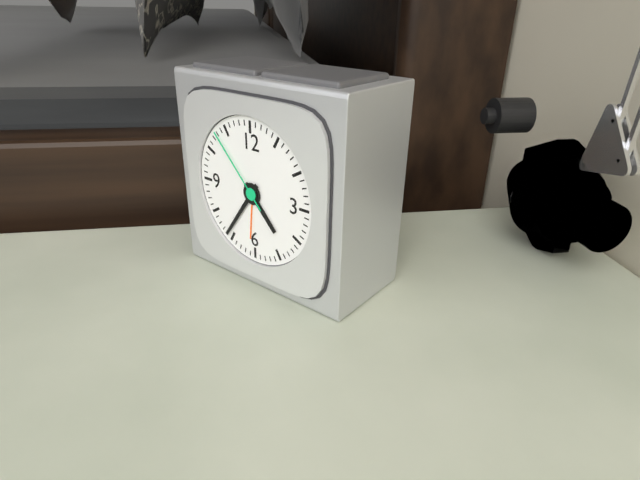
4:36:53
